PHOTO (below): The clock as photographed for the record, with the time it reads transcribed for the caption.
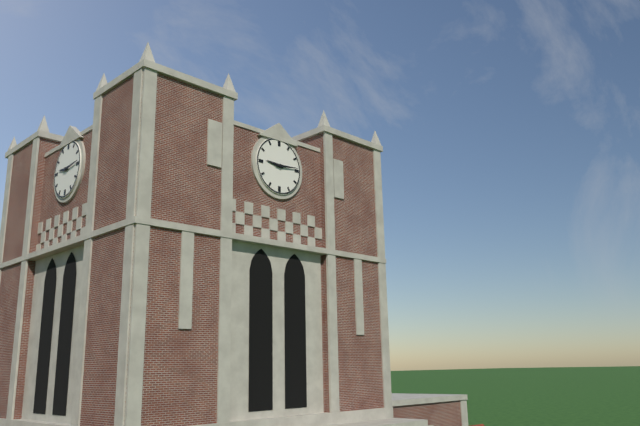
9:14
